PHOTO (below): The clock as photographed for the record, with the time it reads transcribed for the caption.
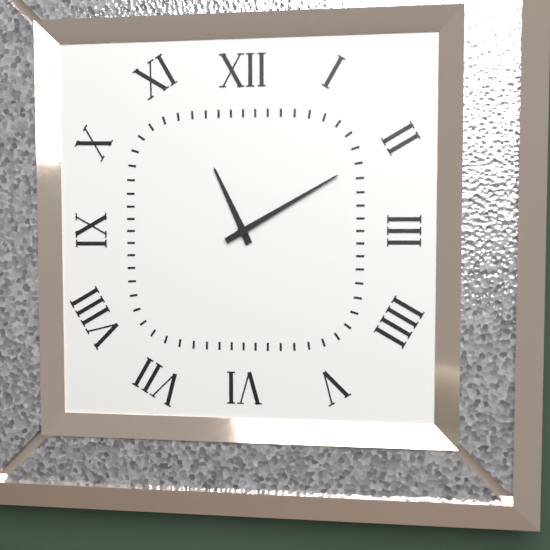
11:10
